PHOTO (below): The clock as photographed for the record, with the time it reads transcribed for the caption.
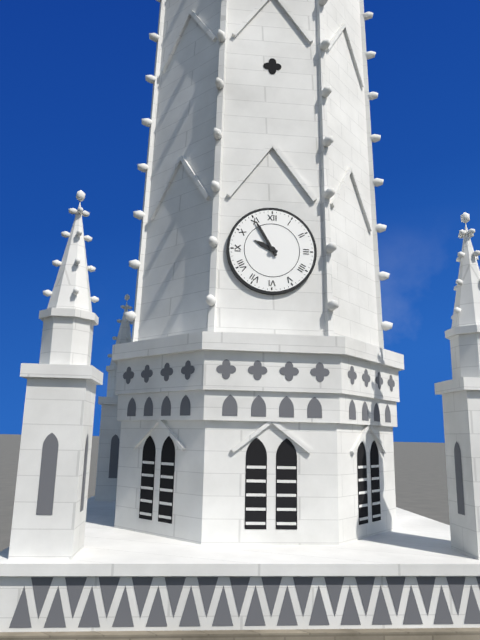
9:55
